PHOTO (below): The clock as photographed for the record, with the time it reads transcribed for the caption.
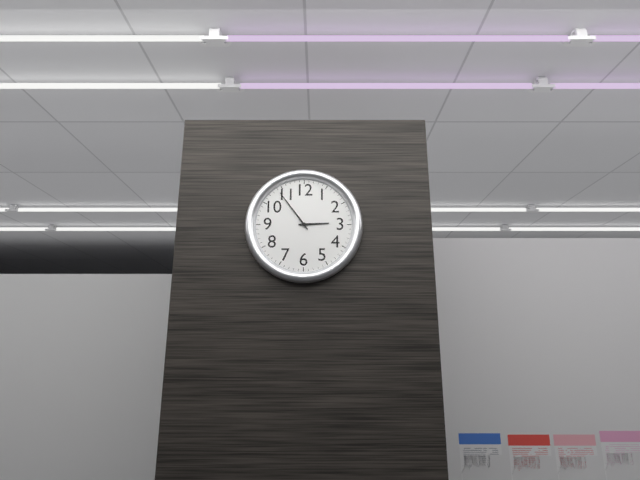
2:54
